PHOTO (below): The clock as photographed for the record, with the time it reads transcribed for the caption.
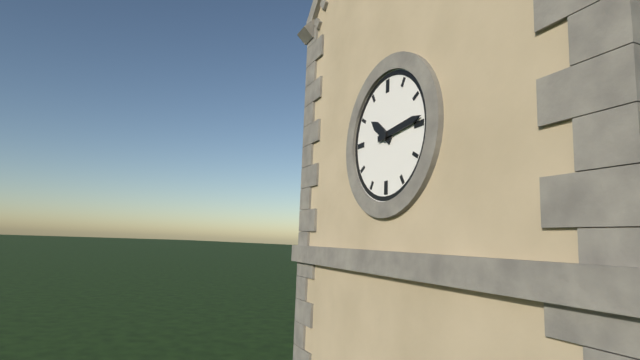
10:14
